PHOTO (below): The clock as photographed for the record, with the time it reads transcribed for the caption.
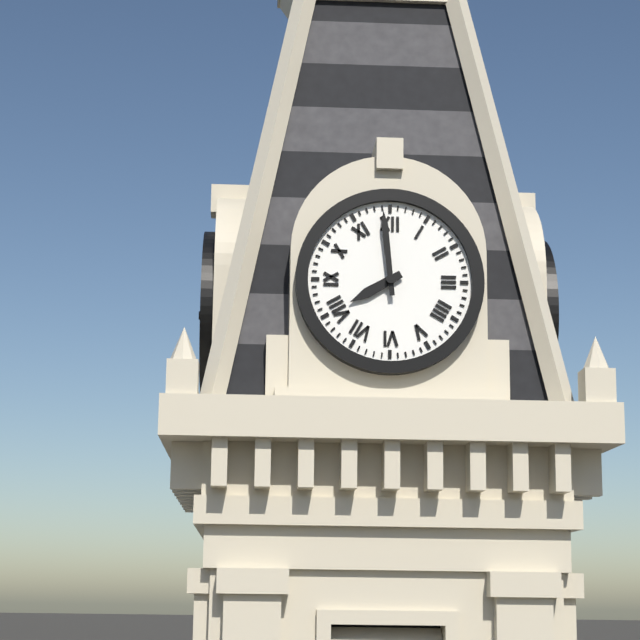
7:59
